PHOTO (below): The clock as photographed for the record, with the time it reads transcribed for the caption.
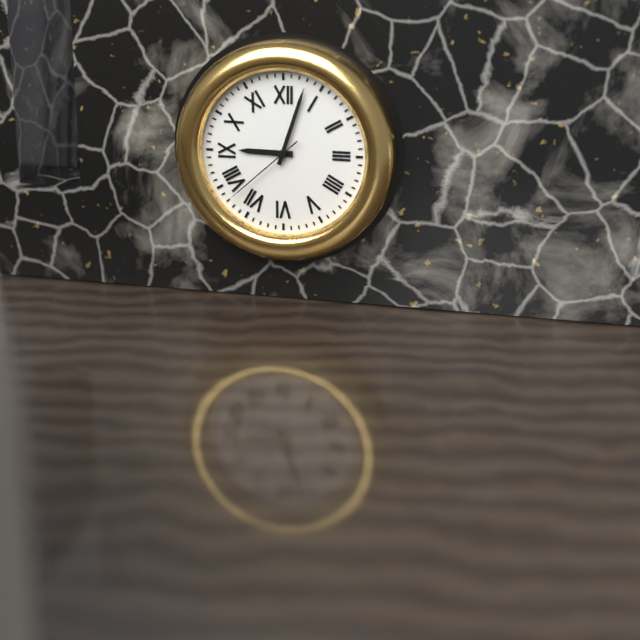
9:03:38
